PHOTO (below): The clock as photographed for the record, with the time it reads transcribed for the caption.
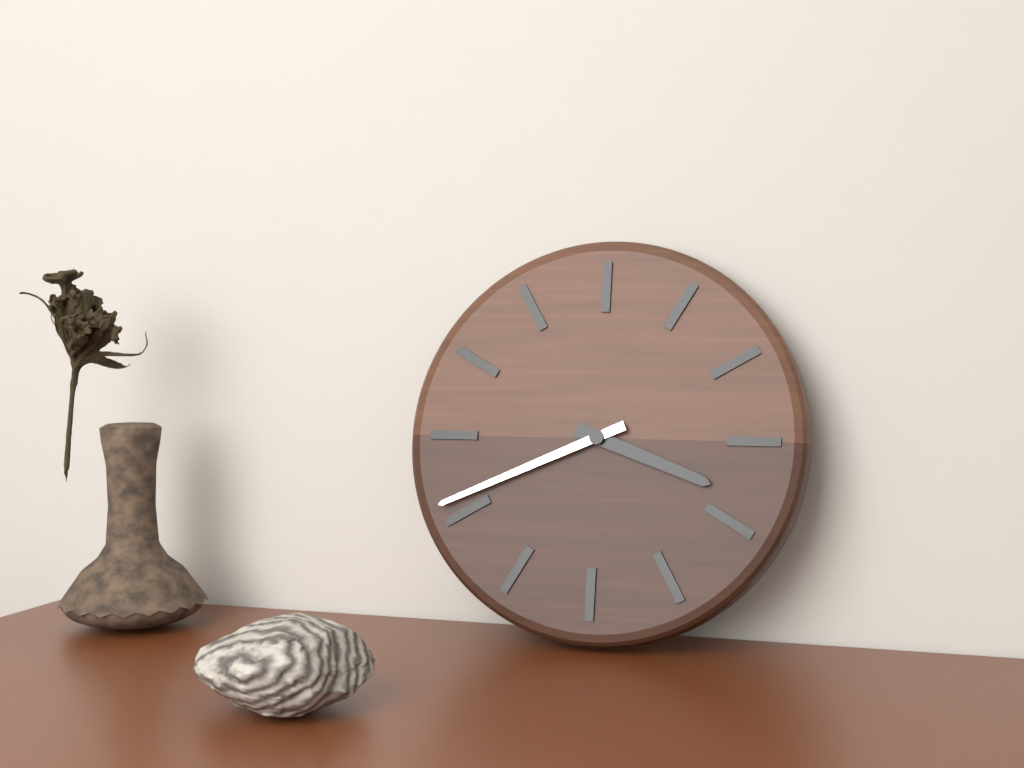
3:41
